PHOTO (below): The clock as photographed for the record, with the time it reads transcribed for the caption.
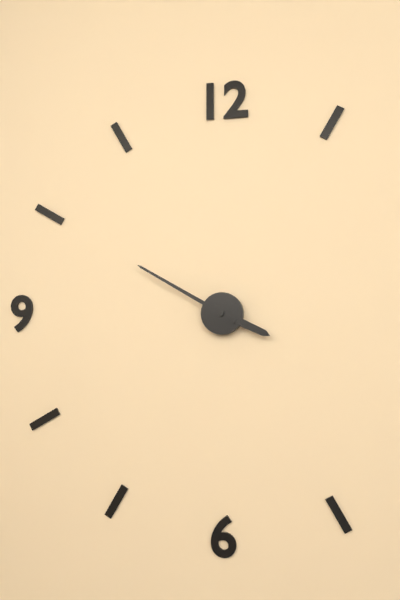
3:50
